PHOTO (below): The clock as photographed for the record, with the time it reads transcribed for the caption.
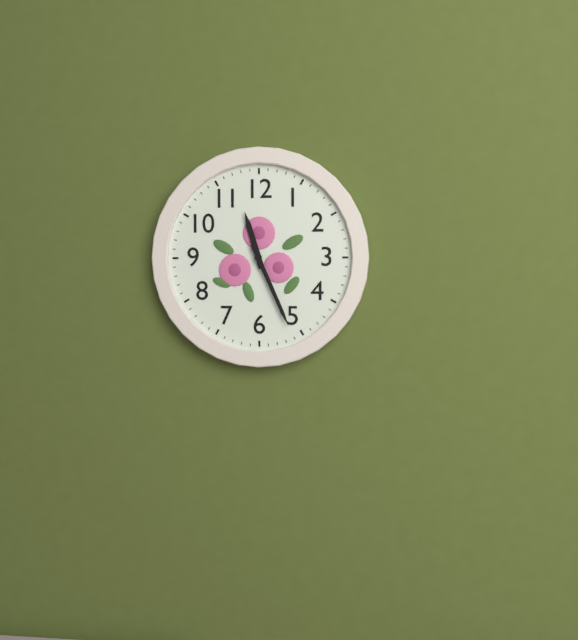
11:26
